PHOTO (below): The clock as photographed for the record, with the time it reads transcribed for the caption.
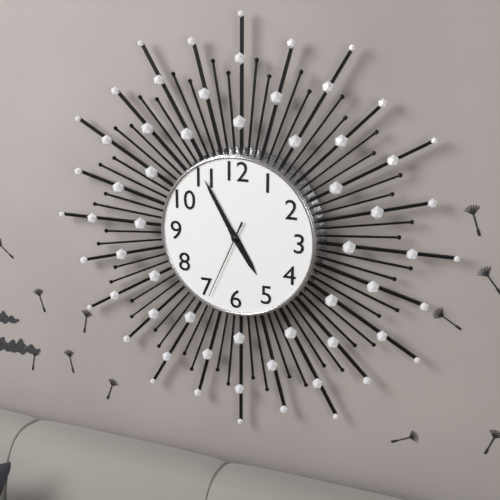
4:55:34
